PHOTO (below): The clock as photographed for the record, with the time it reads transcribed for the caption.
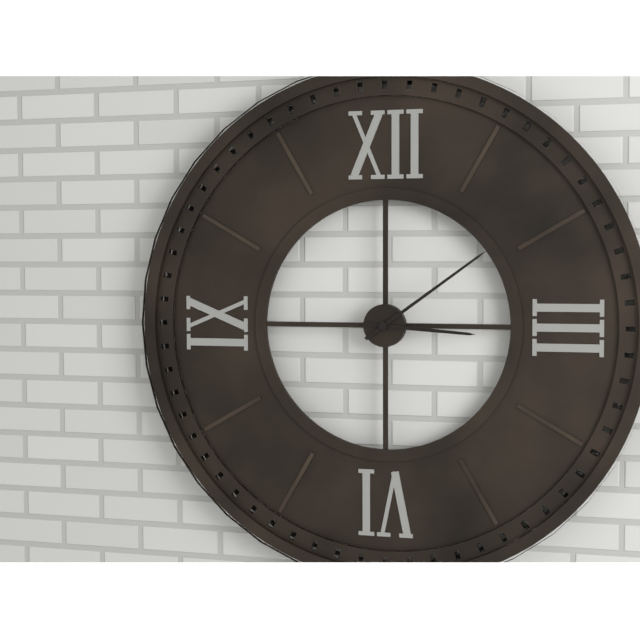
3:09
